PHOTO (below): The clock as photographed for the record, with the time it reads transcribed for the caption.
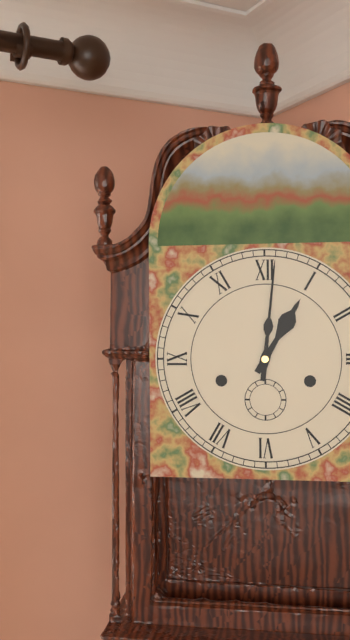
1:01
